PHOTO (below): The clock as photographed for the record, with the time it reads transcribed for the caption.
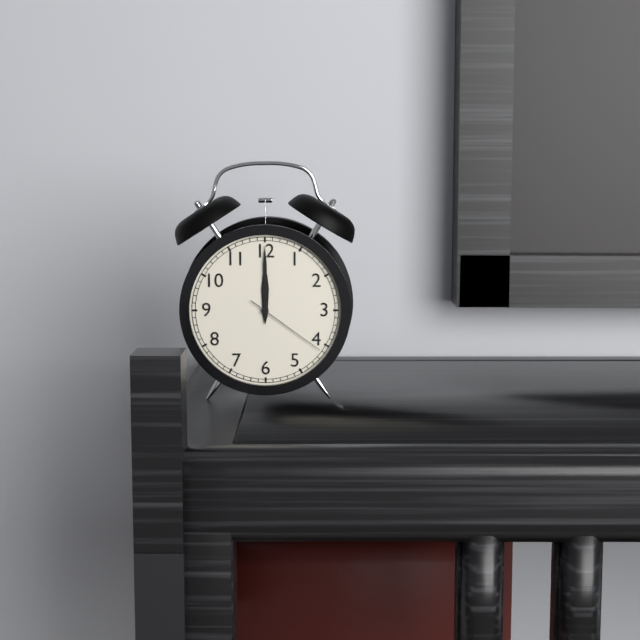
12:00:21
